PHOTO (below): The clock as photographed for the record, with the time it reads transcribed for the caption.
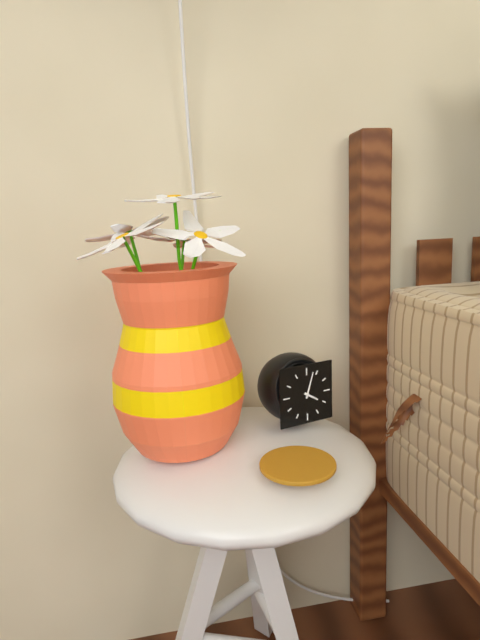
4:03
